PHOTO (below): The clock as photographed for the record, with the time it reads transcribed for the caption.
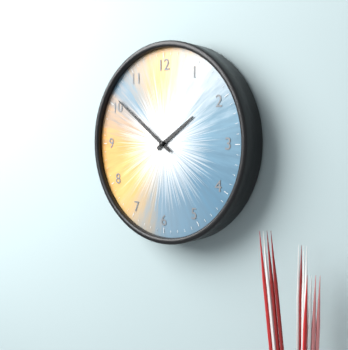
1:51
